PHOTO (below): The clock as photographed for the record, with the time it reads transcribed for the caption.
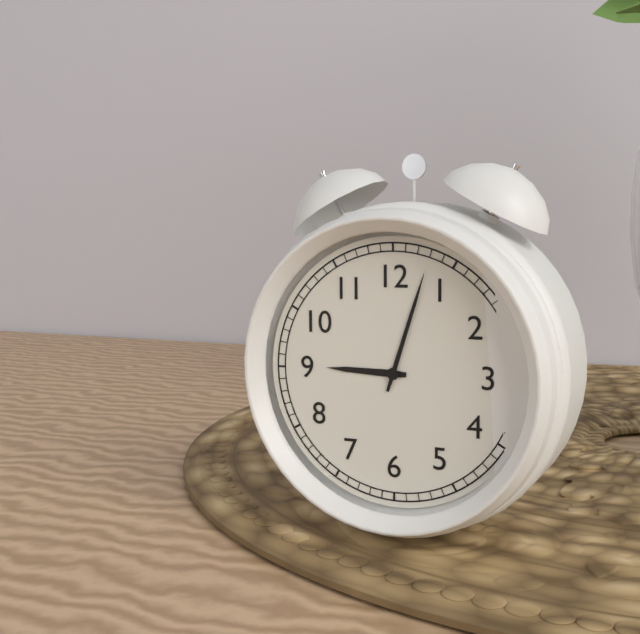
9:03
